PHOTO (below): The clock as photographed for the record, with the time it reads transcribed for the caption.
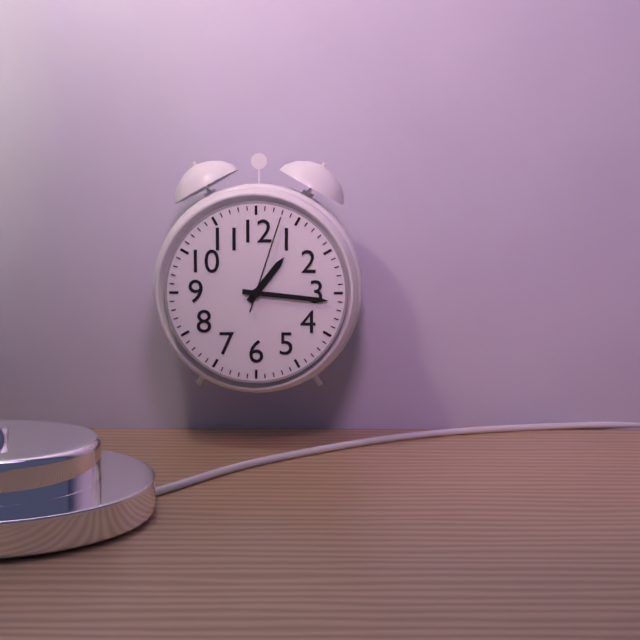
1:16:03
